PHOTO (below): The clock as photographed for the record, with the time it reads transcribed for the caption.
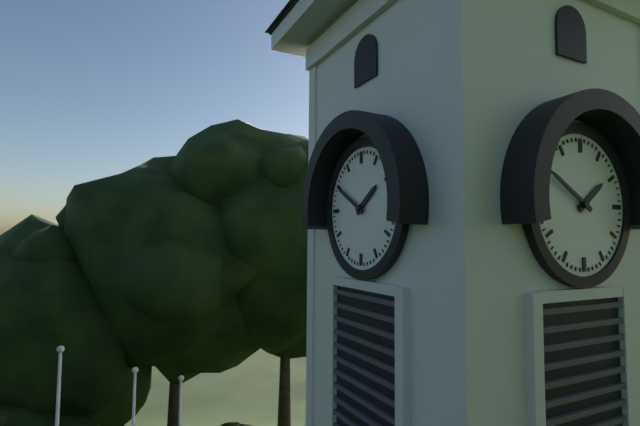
1:50
